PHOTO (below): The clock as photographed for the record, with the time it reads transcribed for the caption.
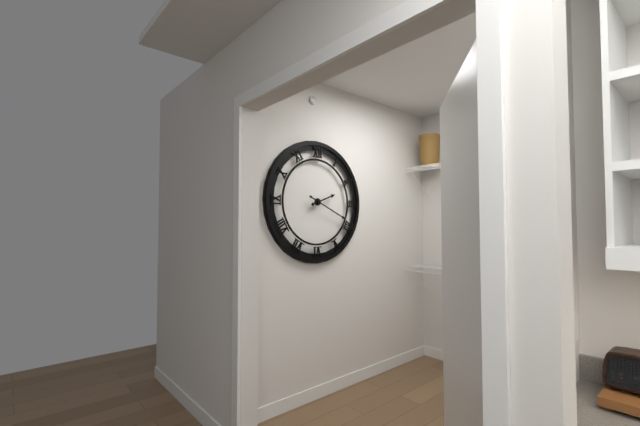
2:19
